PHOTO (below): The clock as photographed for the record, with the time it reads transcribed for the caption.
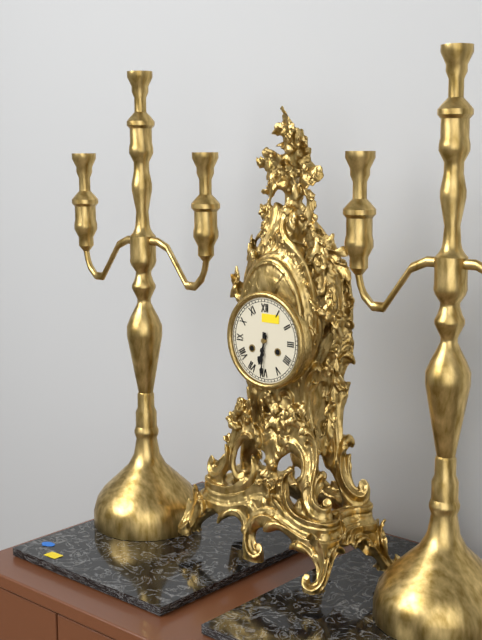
6:31
